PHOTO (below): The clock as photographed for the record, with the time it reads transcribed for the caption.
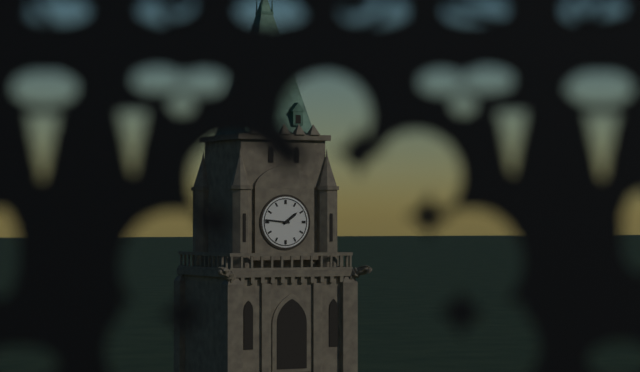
1:46
